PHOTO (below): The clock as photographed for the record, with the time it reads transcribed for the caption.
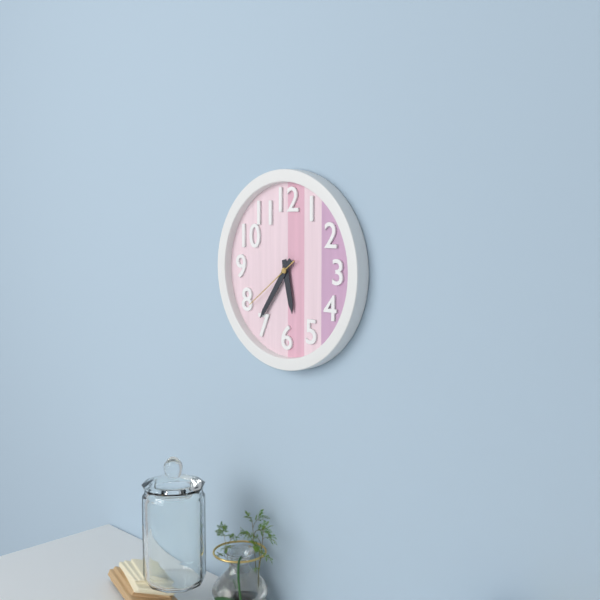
5:36:39
